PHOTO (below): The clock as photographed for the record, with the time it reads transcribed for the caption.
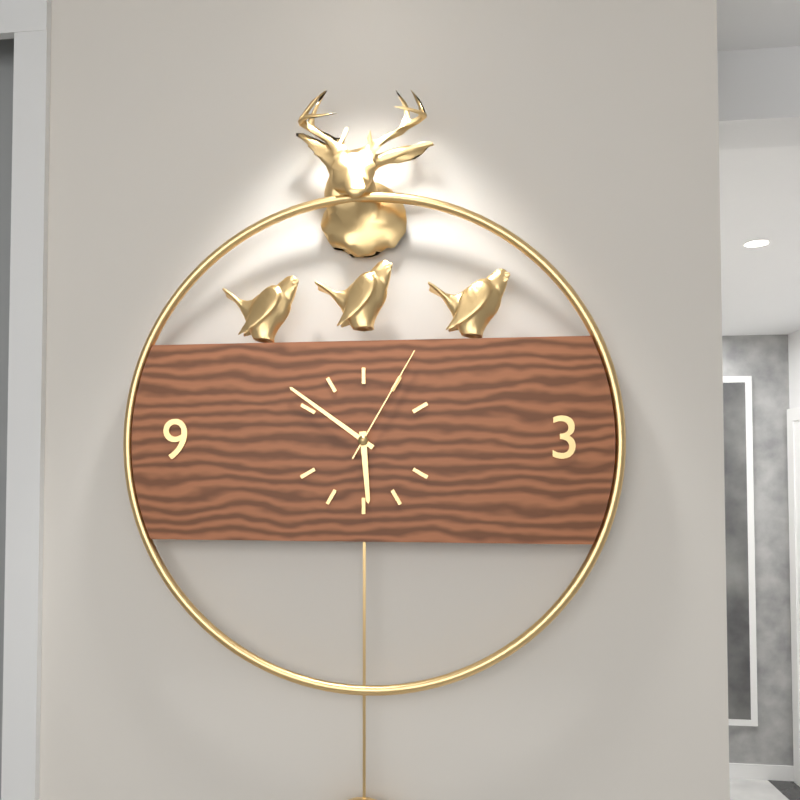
5:51:05
